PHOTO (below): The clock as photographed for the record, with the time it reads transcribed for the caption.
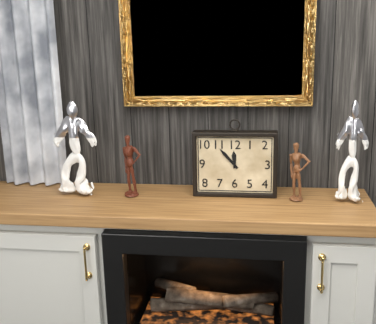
11:53
